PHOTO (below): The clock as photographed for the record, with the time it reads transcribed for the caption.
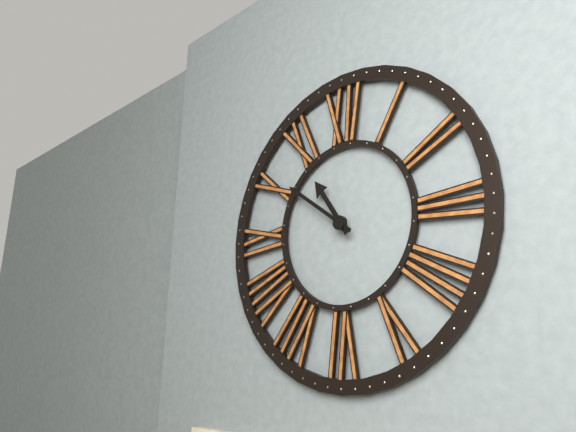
10:51
